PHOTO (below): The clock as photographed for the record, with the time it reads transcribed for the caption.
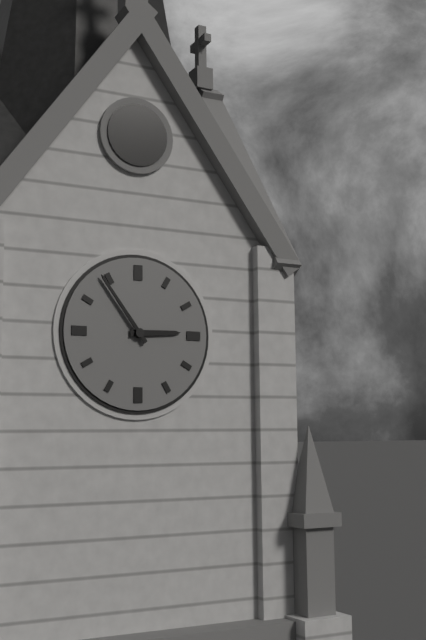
2:54
